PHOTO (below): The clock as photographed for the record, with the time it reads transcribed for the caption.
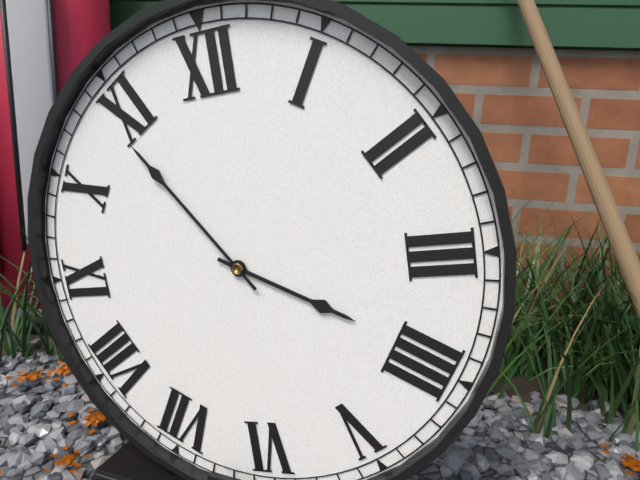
3:54
